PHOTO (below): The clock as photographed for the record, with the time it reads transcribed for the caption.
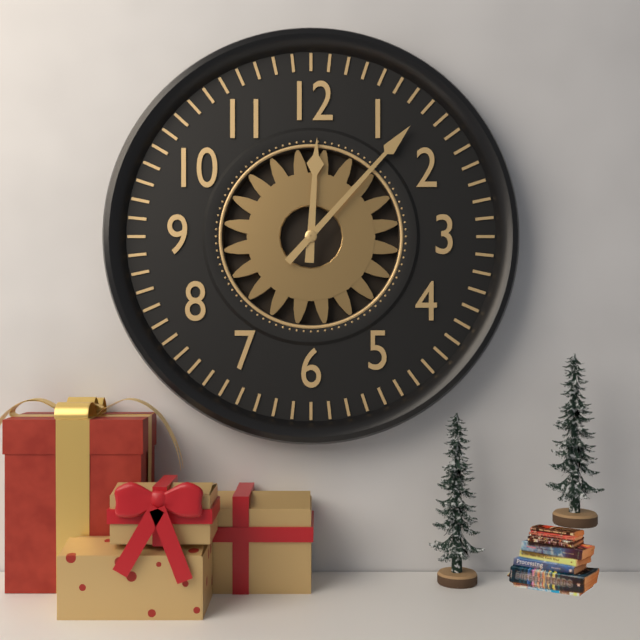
12:07
